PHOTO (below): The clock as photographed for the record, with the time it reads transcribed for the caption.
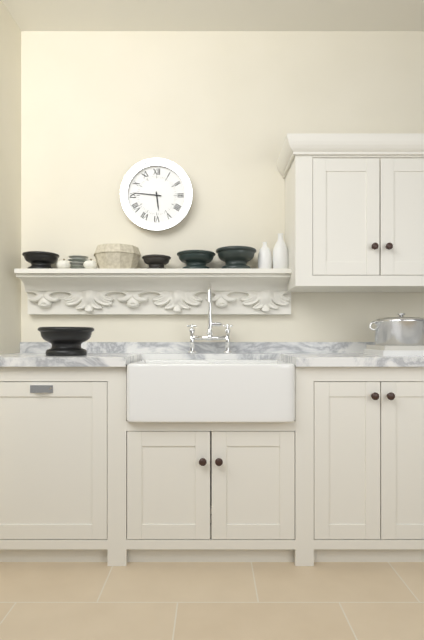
5:46
